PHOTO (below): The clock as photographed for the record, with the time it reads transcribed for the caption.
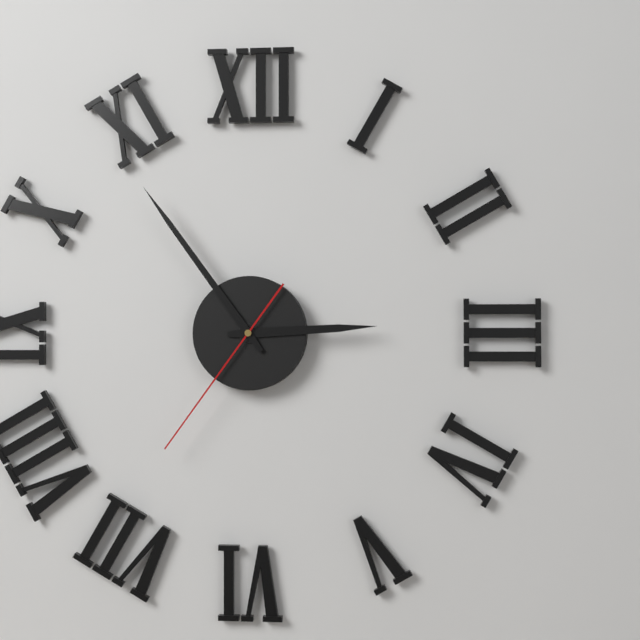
2:54:36
